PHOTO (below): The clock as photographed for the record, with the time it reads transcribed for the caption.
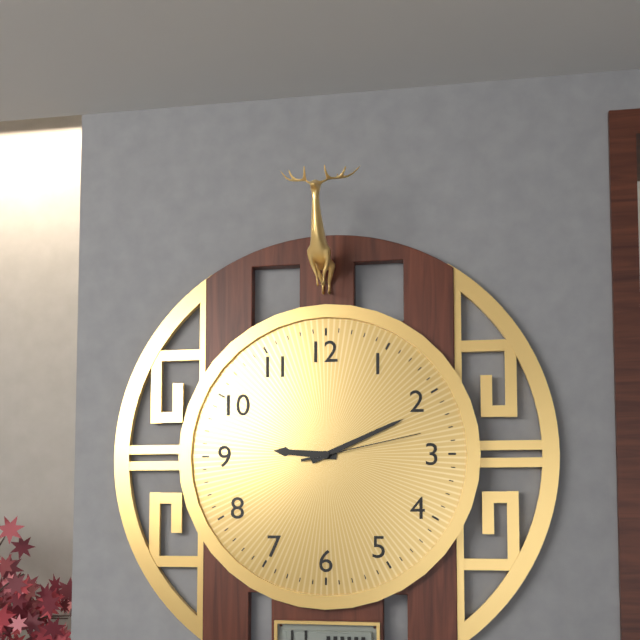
9:11:13
